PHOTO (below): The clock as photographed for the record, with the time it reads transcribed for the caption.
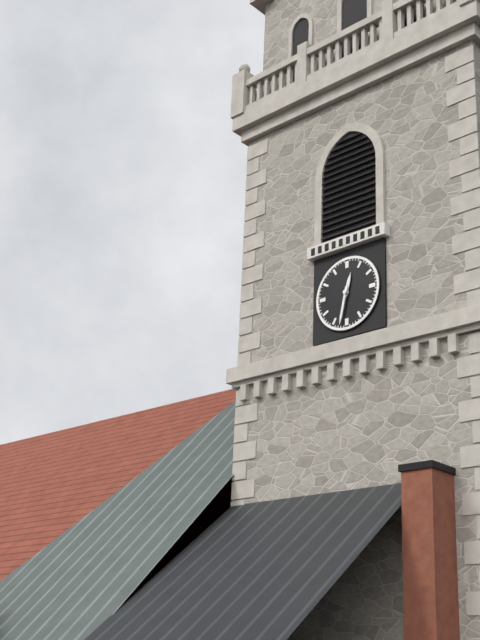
12:32
